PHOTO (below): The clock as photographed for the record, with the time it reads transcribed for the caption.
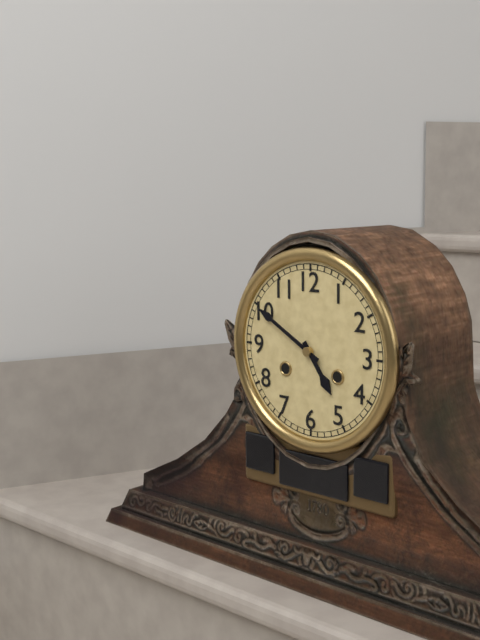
4:50
